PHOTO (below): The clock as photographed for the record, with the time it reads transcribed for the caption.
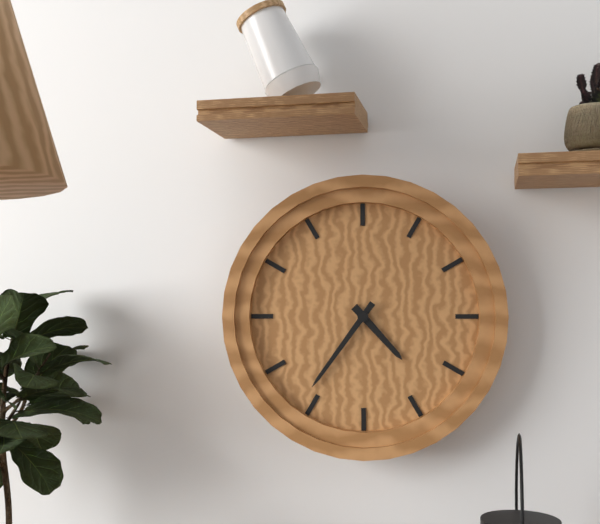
4:36
